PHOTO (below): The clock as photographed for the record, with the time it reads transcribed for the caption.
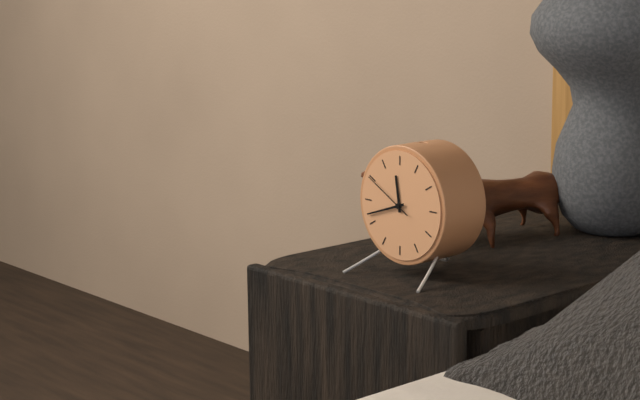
11:42:50
